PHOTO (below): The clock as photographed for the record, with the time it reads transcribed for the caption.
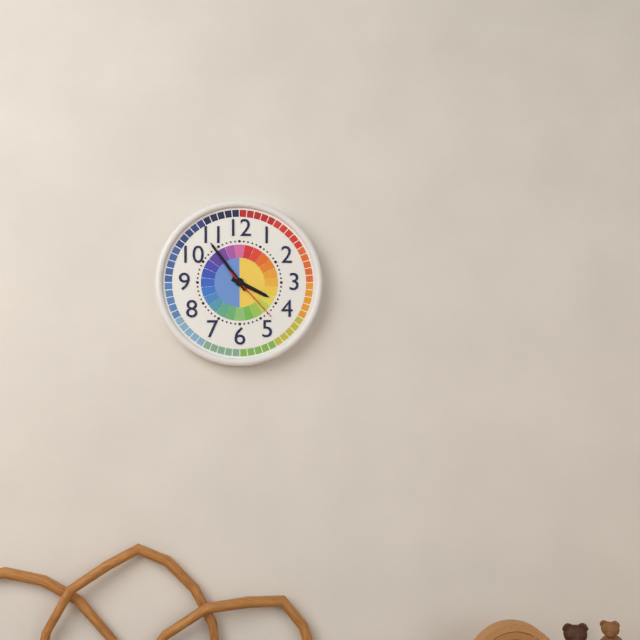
3:54:23
